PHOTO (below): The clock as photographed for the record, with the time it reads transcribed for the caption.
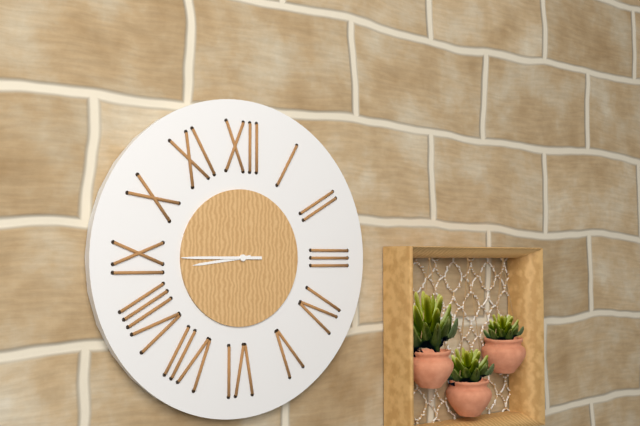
8:45
